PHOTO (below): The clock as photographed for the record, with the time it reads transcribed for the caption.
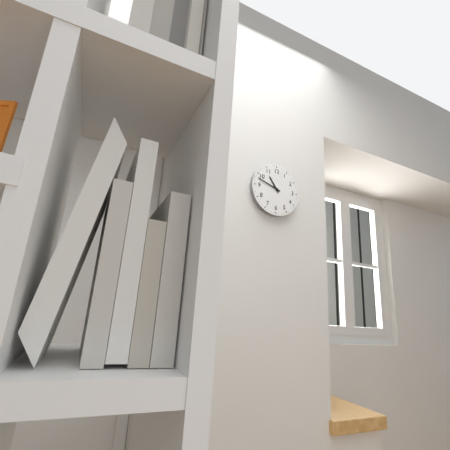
10:48
